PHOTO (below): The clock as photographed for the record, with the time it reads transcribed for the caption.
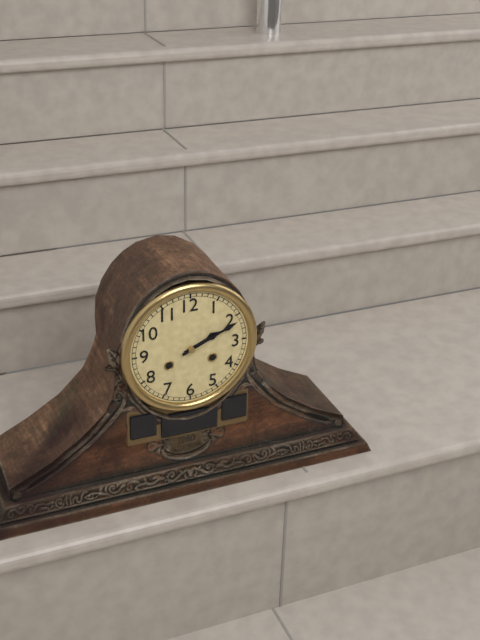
2:11
